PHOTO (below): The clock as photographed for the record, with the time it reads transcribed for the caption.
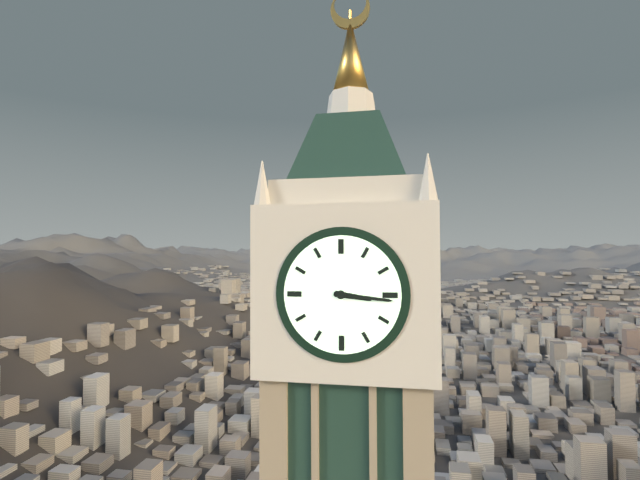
3:16
